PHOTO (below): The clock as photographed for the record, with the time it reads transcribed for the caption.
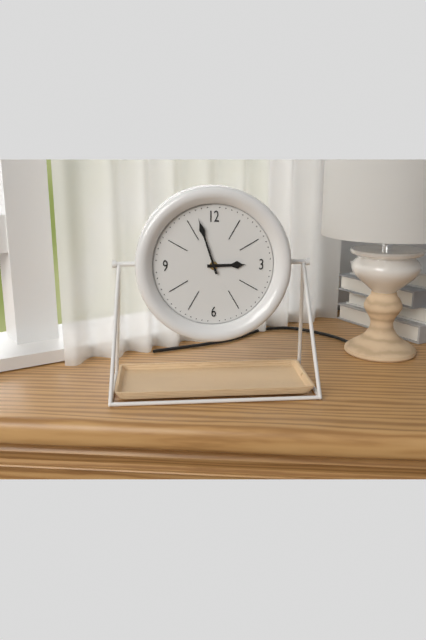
2:57
